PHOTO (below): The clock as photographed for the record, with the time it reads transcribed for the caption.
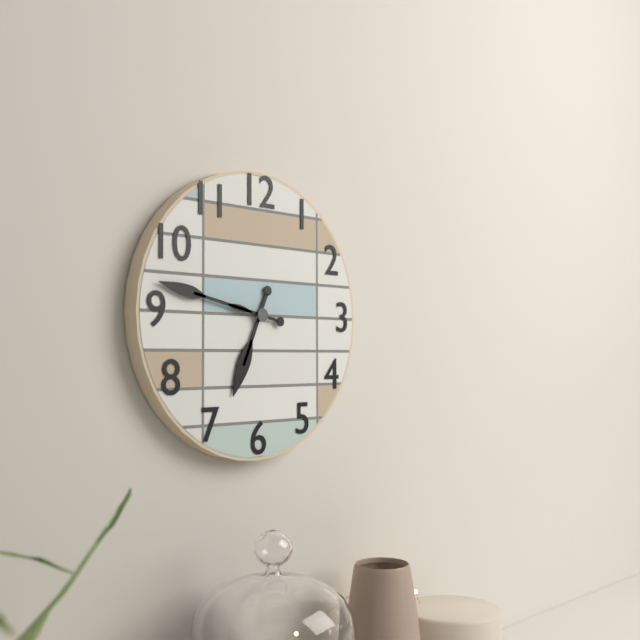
6:47
